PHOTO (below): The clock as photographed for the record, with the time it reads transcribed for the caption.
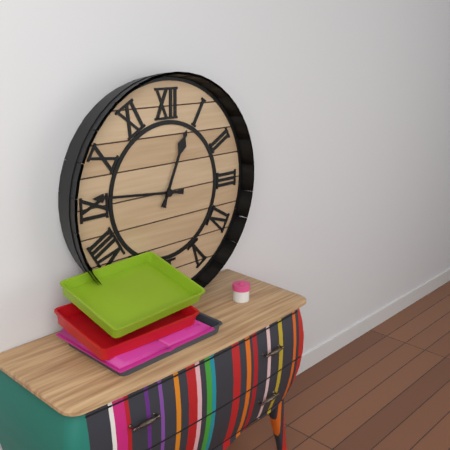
12:46
